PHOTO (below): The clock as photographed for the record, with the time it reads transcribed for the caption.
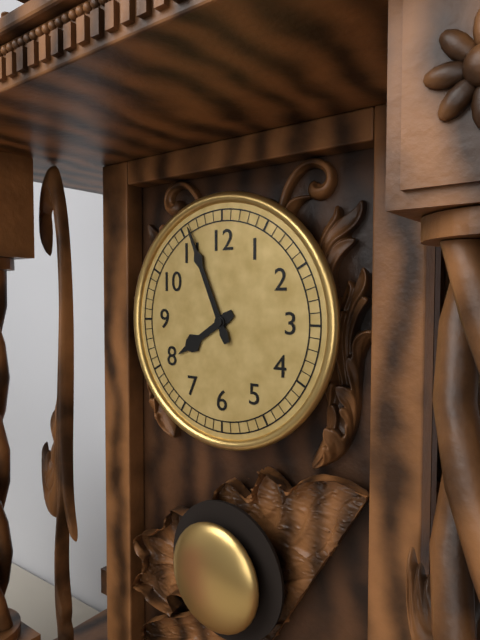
7:56
